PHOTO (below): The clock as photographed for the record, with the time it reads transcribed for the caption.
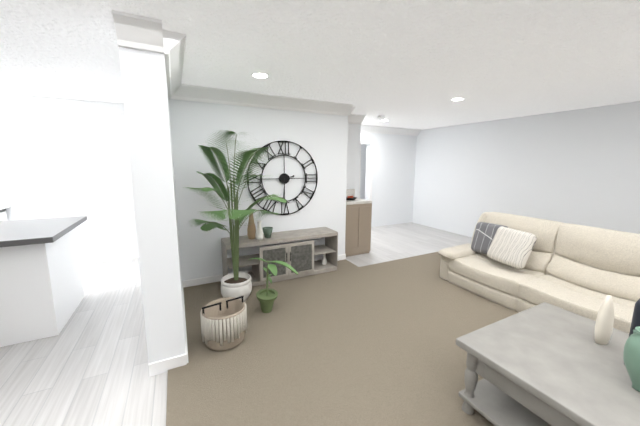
2:31
